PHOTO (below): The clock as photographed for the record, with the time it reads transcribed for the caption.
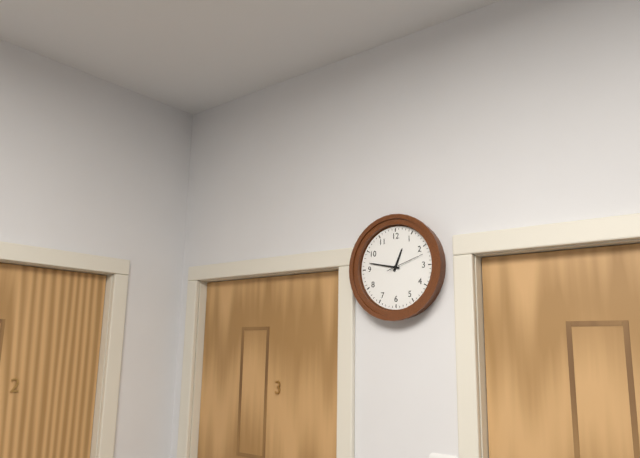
12:47
